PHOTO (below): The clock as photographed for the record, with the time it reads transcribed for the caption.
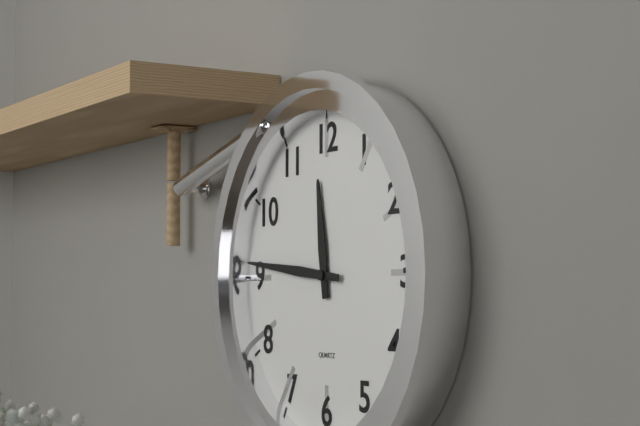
11:46
